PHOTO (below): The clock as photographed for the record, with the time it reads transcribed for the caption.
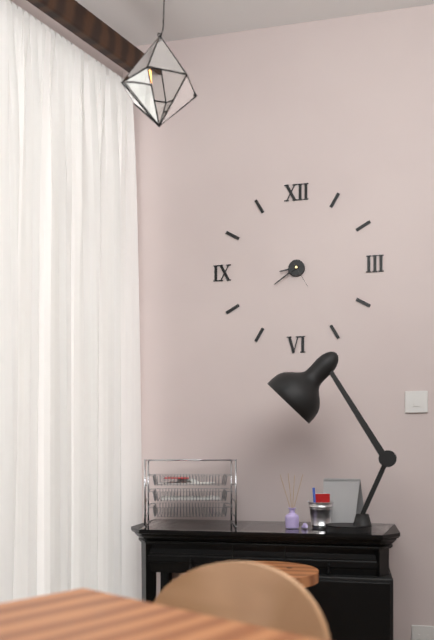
8:39
